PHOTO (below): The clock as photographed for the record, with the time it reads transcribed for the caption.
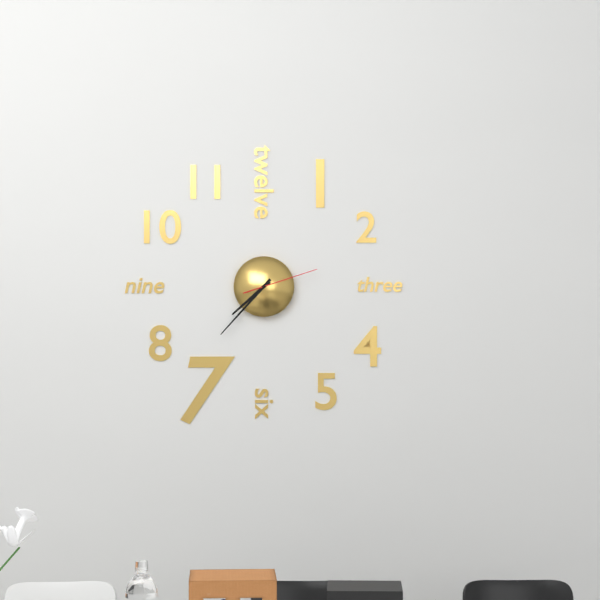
7:37:12
